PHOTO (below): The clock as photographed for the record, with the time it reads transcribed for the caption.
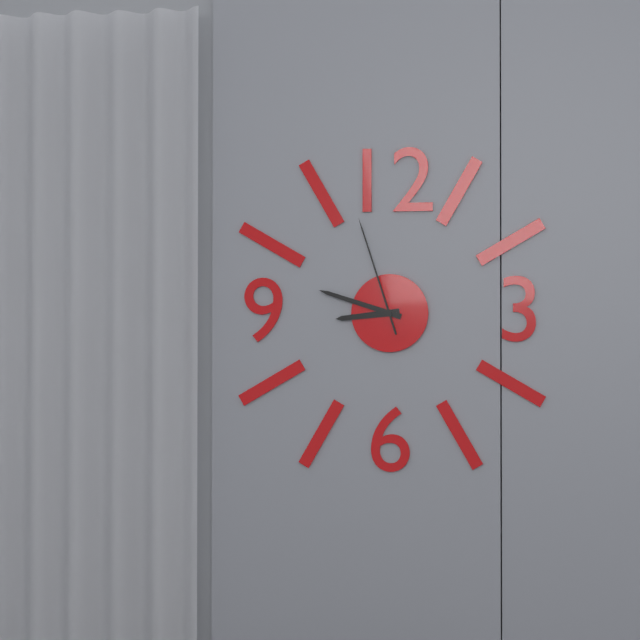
8:48:57
